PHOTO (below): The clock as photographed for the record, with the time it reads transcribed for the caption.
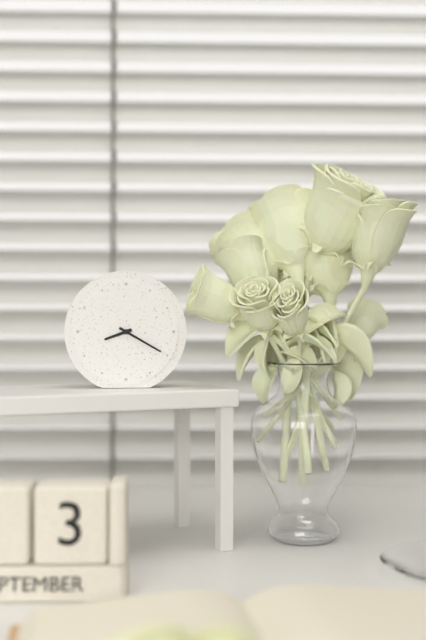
8:20
